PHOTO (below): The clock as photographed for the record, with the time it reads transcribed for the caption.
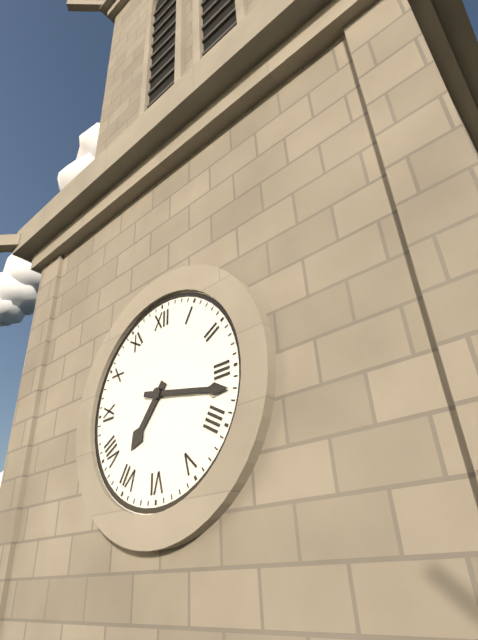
7:17
